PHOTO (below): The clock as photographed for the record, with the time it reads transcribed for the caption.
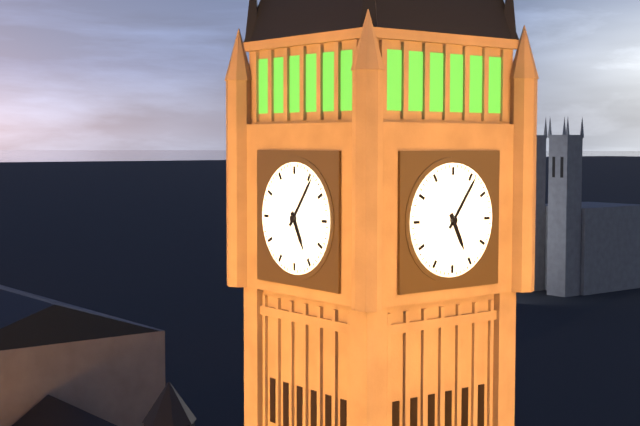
5:06
